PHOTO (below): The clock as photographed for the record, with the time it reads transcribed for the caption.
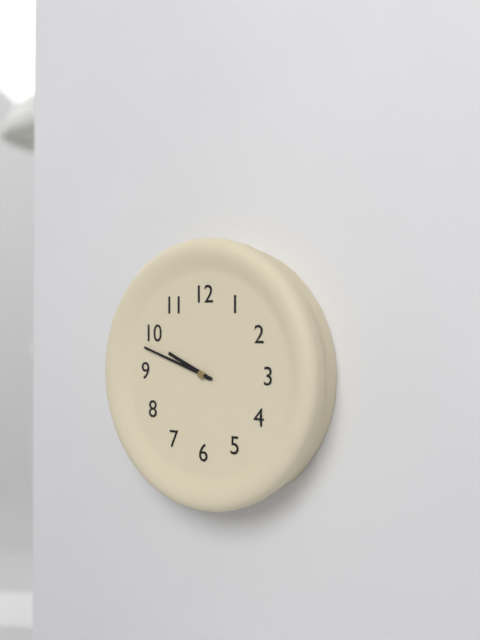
9:48
